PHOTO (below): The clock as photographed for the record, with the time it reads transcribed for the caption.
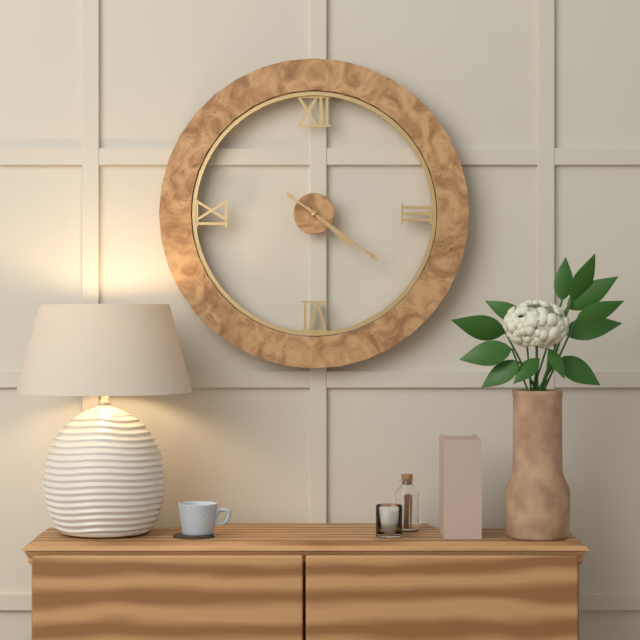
4:21
